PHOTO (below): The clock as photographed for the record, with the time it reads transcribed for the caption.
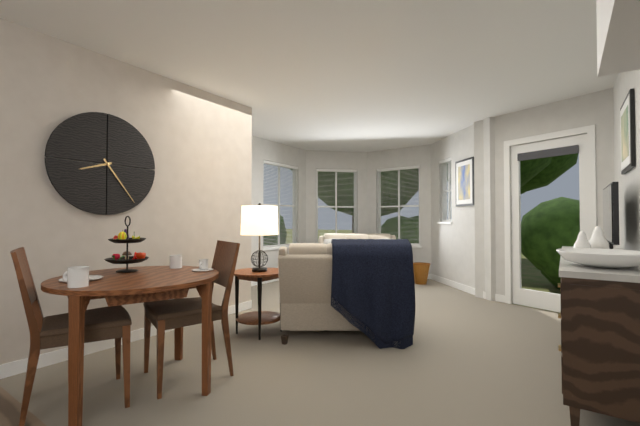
8:24
